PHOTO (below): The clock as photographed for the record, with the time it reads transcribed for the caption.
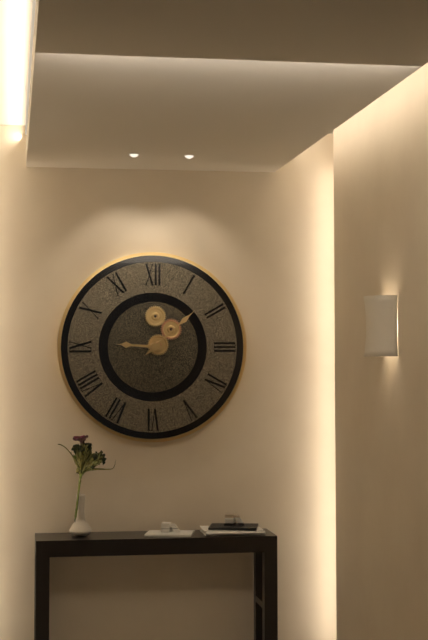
9:08
